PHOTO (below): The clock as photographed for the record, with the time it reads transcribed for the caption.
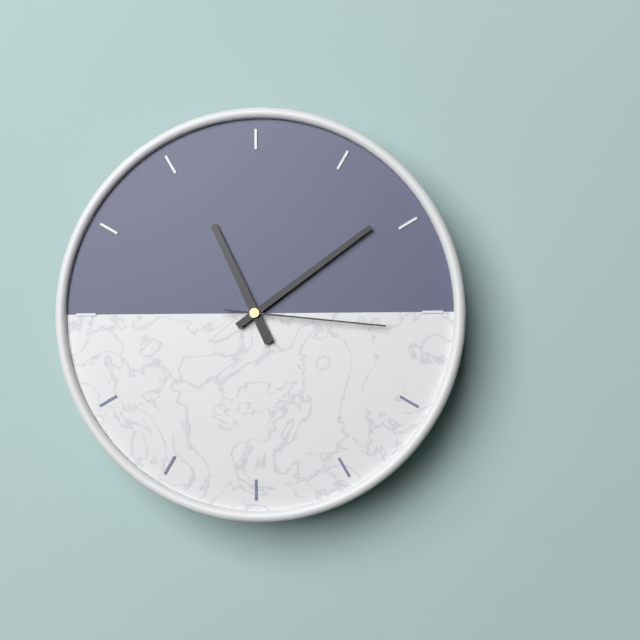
11:09:16
